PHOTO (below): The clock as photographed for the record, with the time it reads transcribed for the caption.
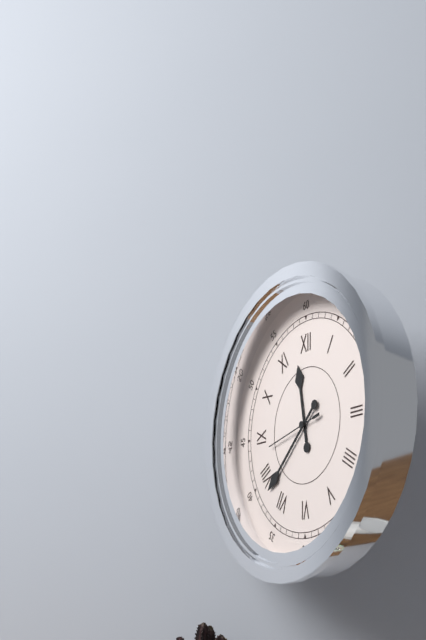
11:38
